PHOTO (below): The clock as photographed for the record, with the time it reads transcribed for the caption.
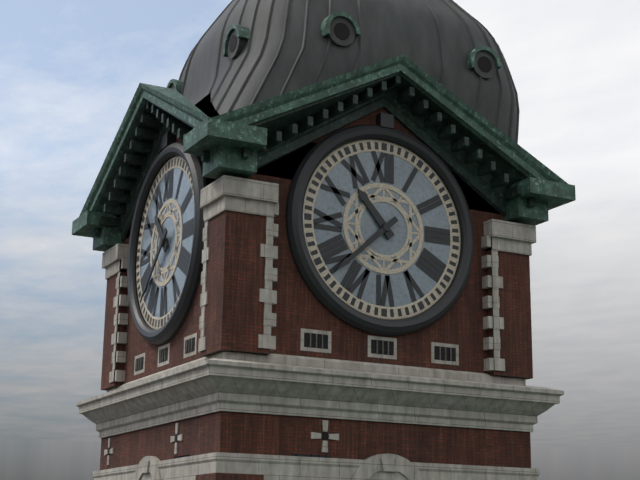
10:38
